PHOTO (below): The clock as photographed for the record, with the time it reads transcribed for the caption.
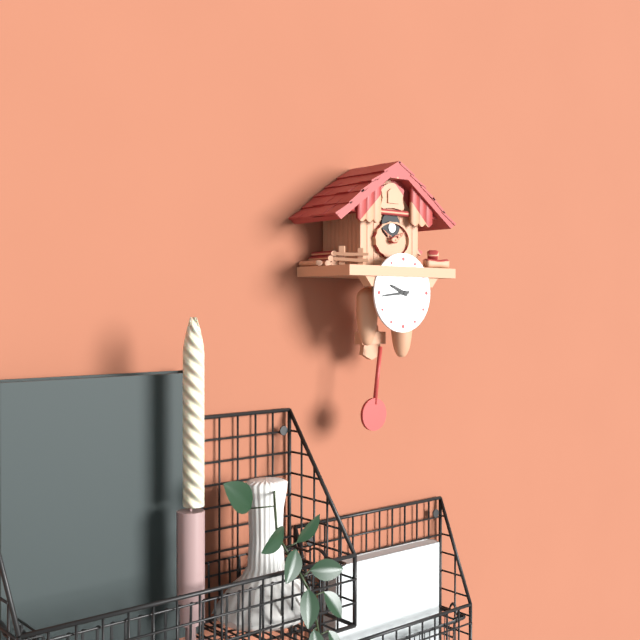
9:44
